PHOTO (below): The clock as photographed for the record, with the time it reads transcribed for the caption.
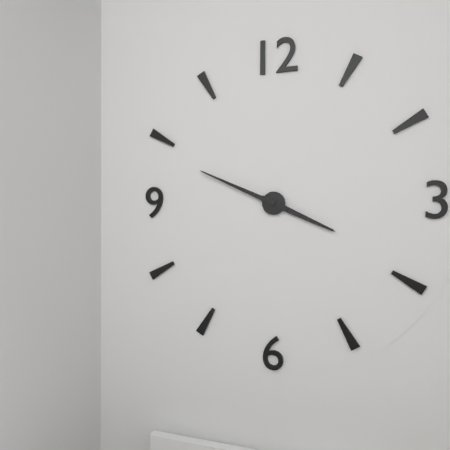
3:49
